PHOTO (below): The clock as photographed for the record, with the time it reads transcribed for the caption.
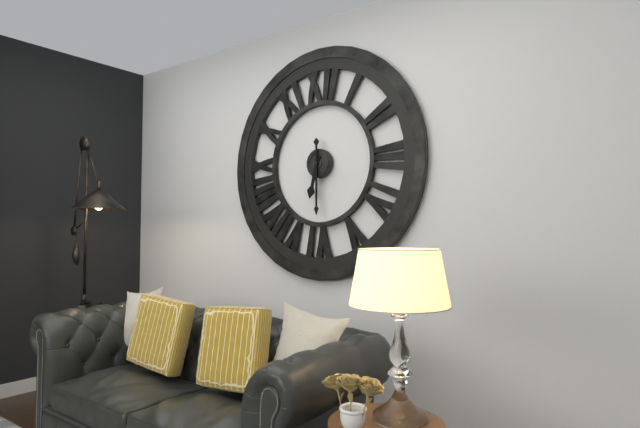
6:30
